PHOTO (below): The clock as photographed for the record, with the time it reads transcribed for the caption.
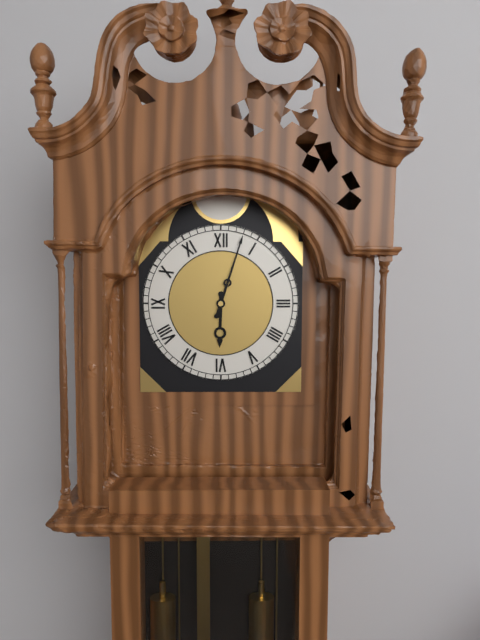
6:03
